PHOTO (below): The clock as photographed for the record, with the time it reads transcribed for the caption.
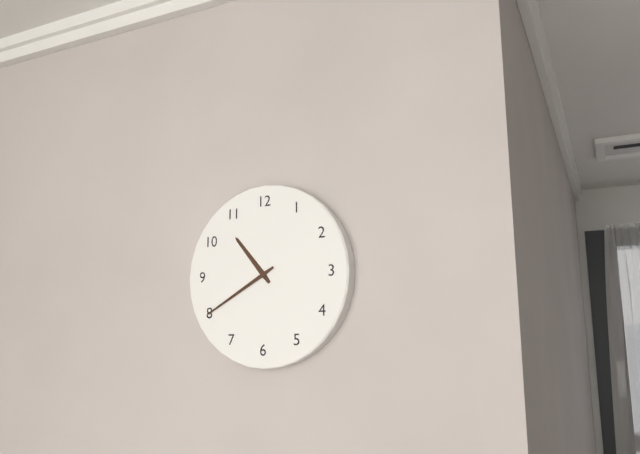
10:40
